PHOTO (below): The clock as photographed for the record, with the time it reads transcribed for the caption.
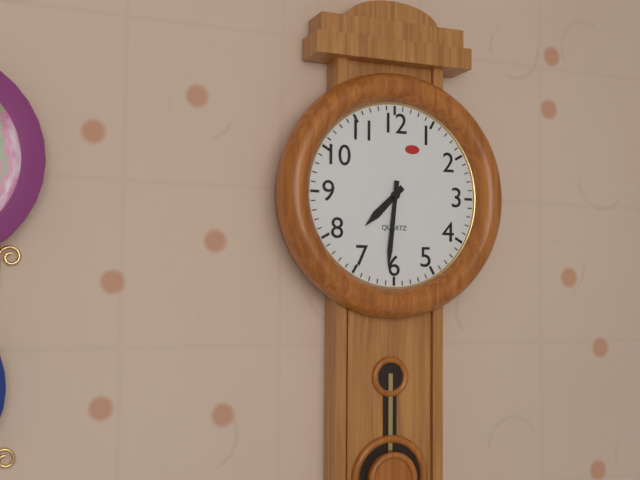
7:31
